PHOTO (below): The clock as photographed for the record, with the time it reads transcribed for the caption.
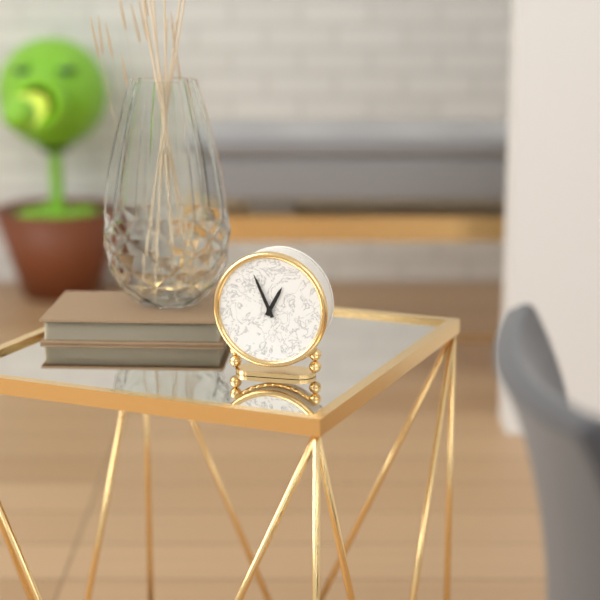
12:56
